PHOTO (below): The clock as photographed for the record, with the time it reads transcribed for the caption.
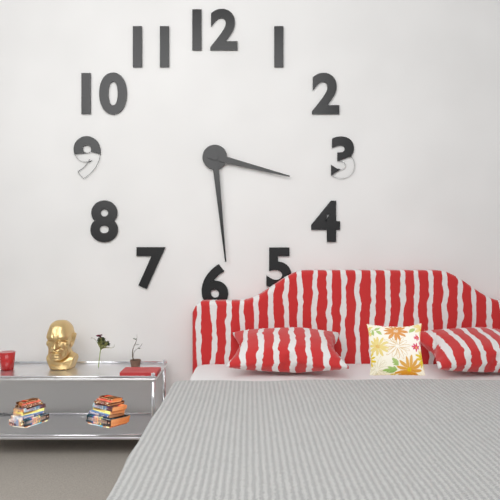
3:29
